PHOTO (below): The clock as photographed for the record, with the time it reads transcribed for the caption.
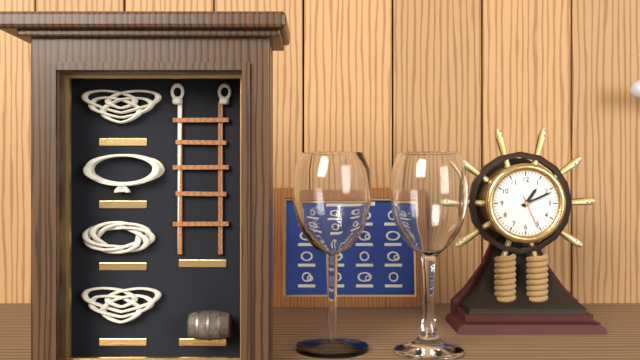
1:11
